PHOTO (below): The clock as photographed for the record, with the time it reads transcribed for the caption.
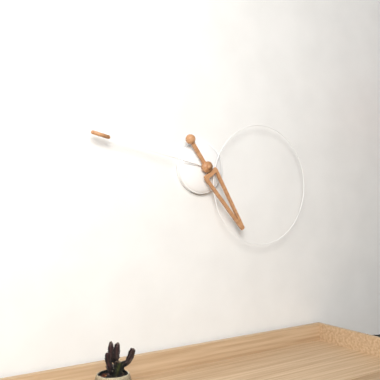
4:47
